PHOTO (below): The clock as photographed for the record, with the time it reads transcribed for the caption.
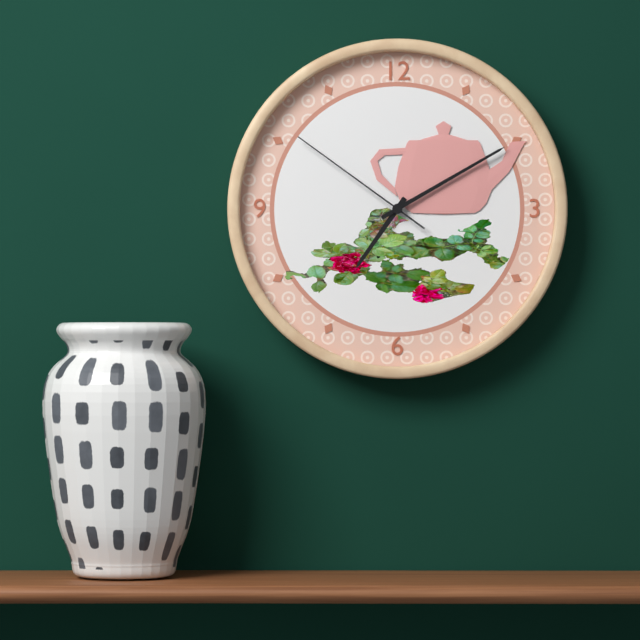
7:10:51
